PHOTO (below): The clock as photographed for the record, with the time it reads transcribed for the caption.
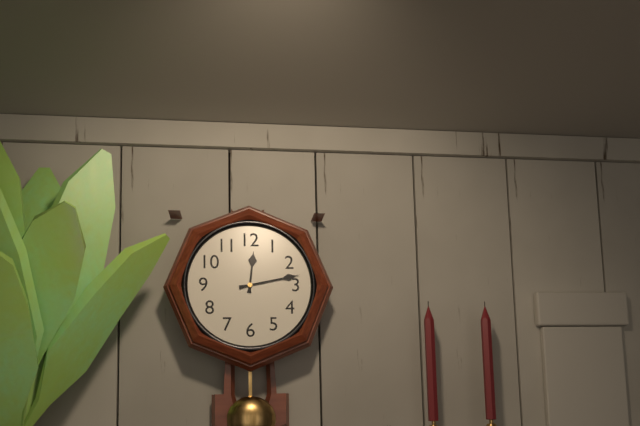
12:13
